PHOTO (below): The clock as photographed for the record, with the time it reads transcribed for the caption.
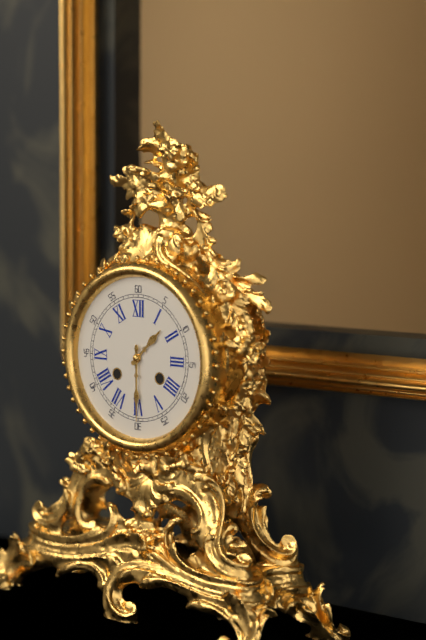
1:30
